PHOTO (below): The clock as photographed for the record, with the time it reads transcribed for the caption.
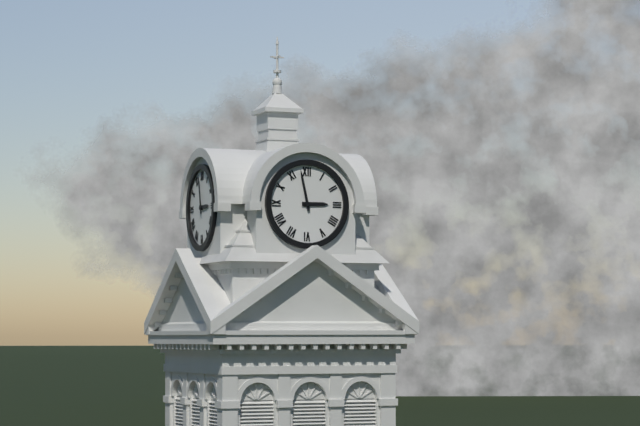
2:58
